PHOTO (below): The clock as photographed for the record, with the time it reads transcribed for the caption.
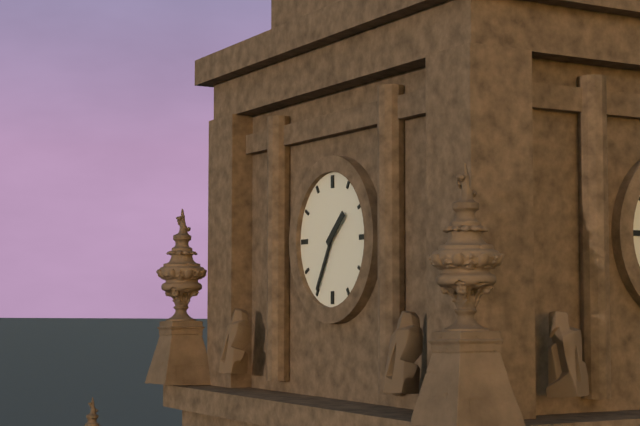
1:35
